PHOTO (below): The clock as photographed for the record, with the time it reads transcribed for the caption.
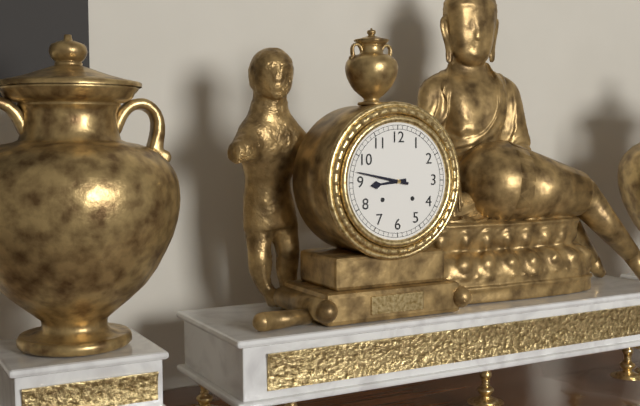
8:47
